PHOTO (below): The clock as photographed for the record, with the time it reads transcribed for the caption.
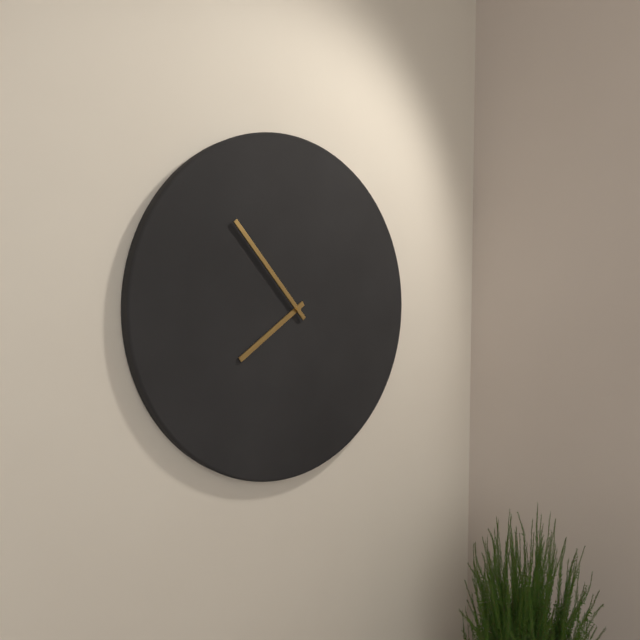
7:53
